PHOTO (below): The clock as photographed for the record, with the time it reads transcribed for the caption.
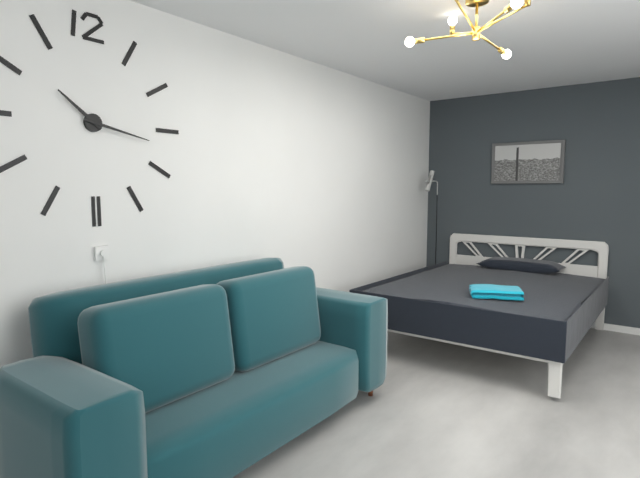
10:17
